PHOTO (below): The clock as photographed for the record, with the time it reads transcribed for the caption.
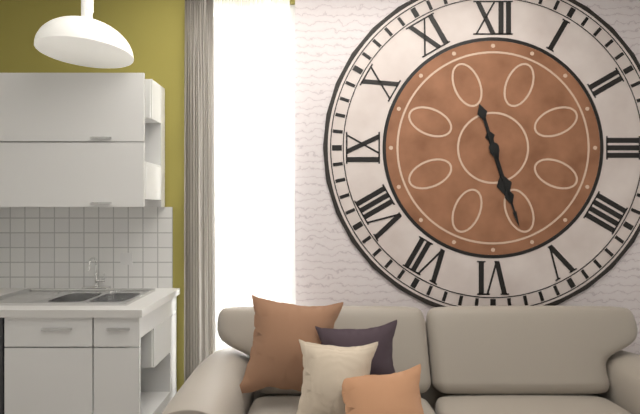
5:27
